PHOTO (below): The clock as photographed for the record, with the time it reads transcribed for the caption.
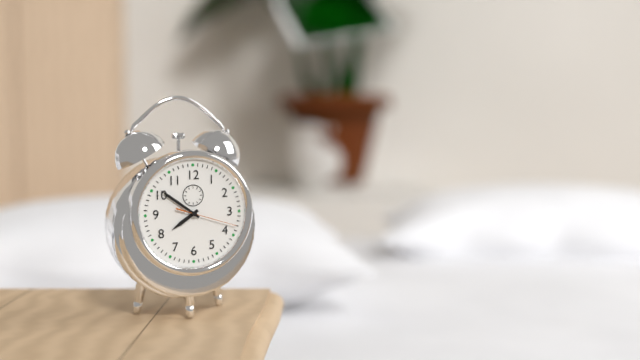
7:51:18
